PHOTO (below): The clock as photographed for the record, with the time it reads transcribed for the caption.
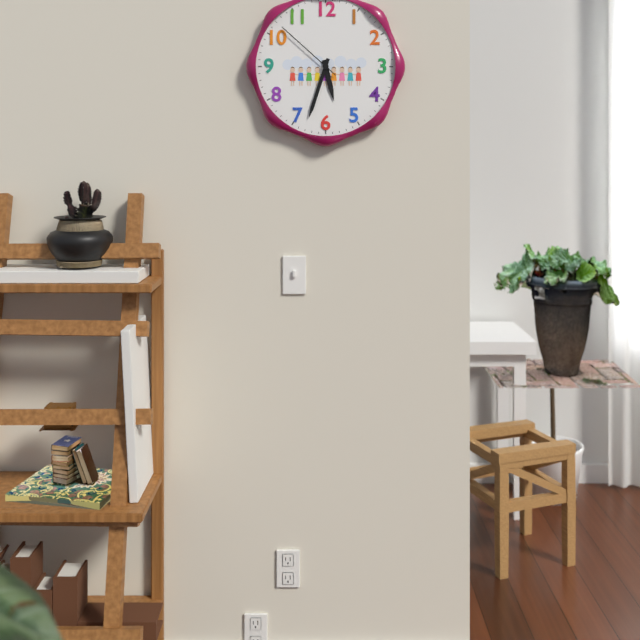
5:33:52
